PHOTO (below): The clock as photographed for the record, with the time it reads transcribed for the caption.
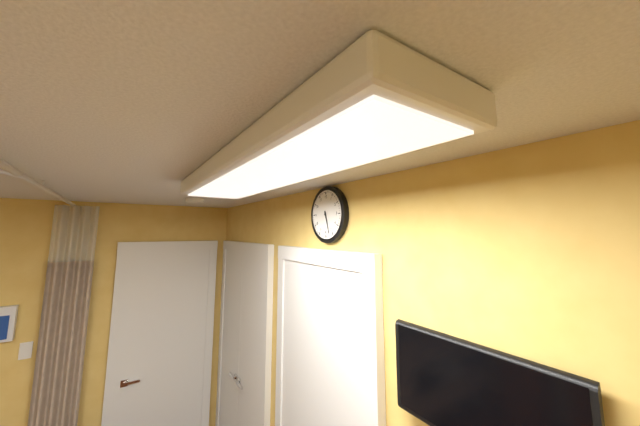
5:27
